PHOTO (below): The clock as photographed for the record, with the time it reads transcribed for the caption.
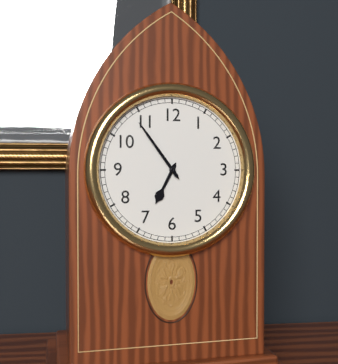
6:54
